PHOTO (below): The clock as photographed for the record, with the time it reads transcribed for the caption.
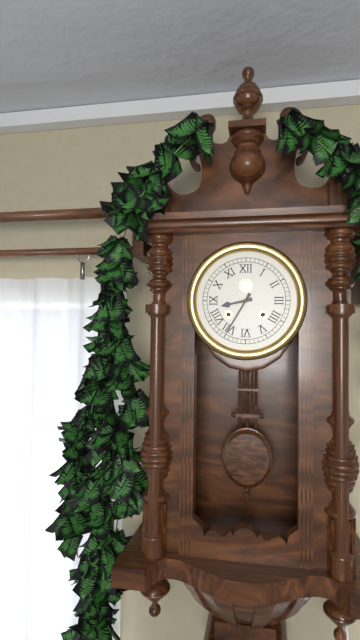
8:35
